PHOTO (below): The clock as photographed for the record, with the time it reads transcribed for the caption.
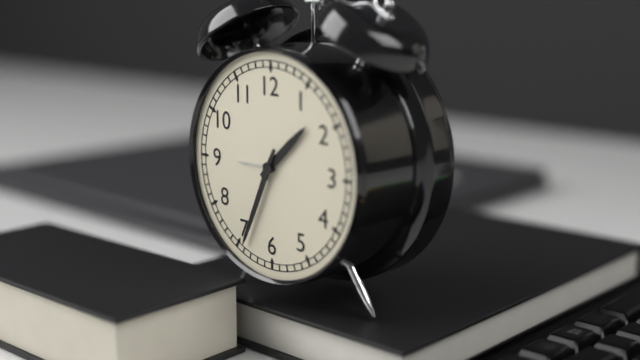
1:34
